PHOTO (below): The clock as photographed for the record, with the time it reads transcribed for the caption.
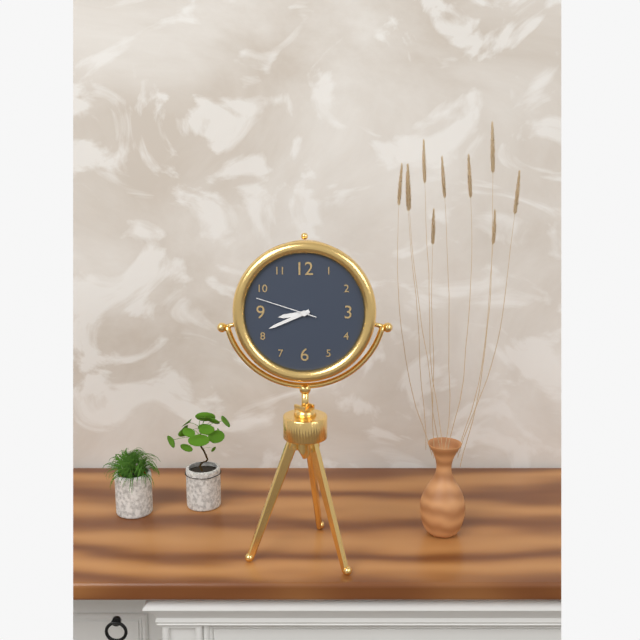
8:41:48
